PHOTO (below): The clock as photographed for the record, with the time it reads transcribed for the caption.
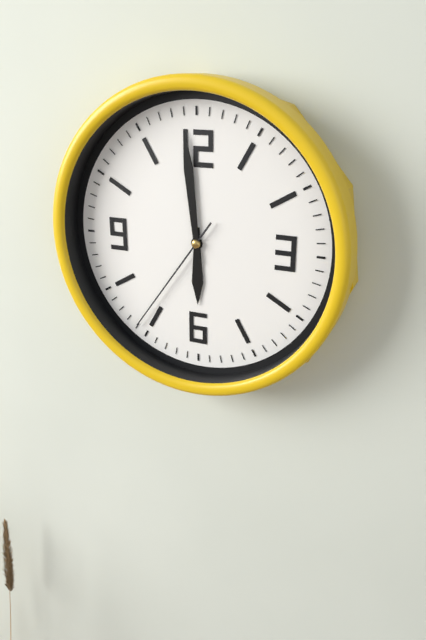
5:59:36
